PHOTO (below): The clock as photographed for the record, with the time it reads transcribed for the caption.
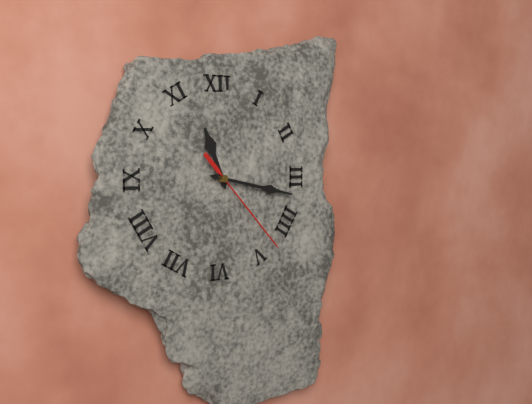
11:17:23
